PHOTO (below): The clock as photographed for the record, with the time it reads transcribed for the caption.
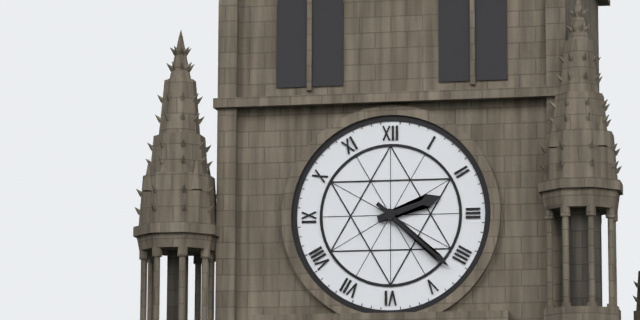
2:22
